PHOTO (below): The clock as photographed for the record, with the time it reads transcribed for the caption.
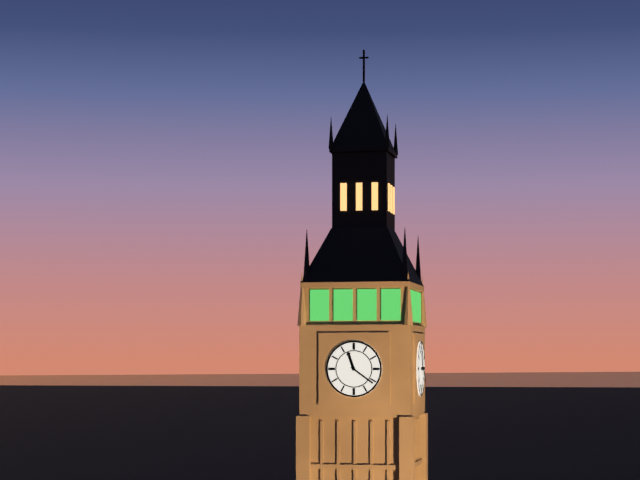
11:21
